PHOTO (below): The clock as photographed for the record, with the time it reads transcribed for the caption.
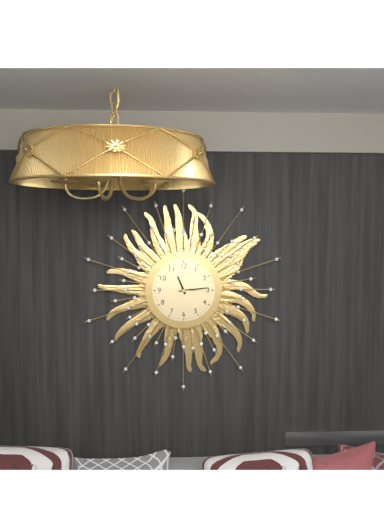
11:14
